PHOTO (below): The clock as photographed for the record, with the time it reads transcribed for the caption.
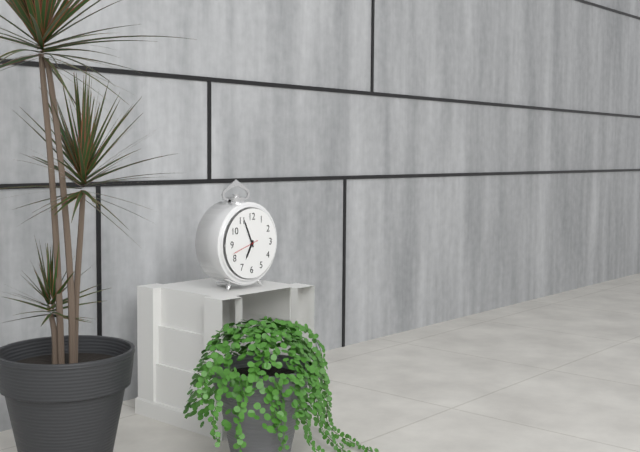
6:56
